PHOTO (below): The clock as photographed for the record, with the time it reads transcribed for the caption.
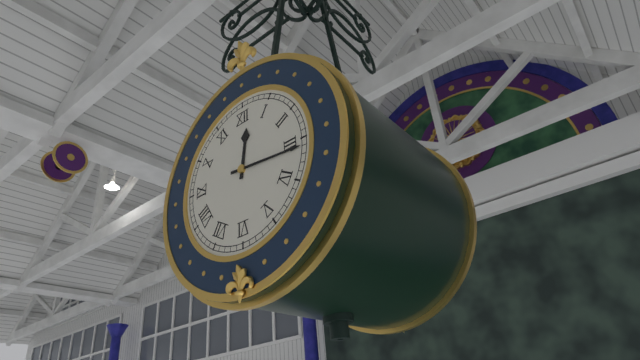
12:16
